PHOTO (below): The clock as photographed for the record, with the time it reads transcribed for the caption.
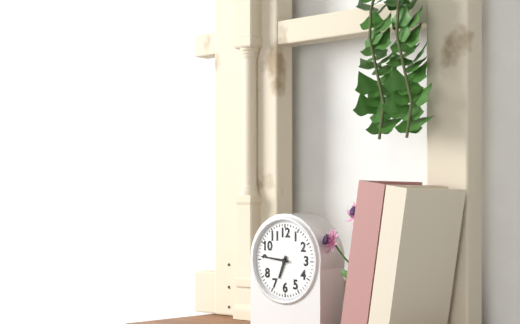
6:46
